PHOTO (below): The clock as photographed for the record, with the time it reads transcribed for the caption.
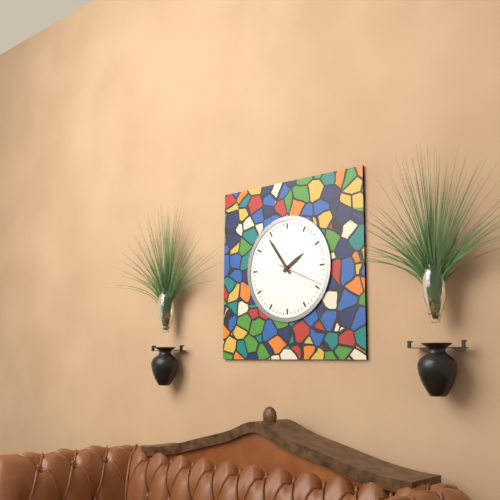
1:54
